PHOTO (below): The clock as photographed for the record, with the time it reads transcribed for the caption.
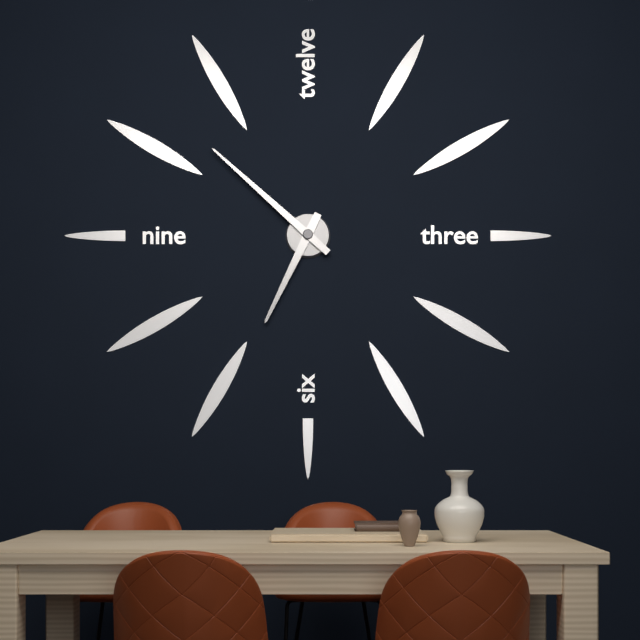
6:52
